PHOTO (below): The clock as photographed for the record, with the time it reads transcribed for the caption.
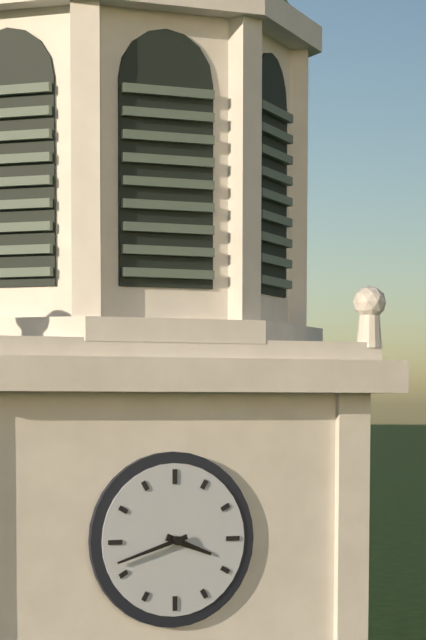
3:42
